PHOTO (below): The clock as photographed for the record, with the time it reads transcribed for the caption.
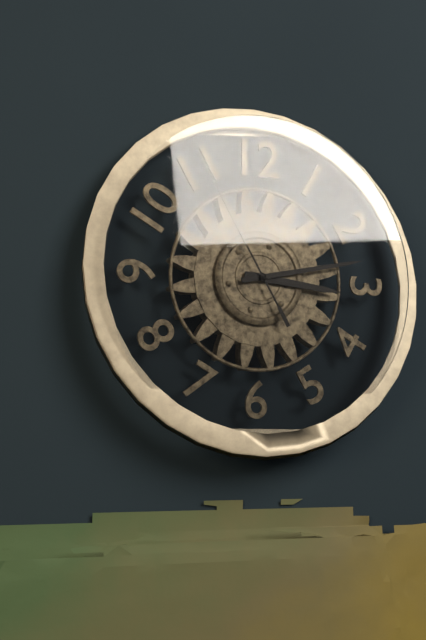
3:13:55
